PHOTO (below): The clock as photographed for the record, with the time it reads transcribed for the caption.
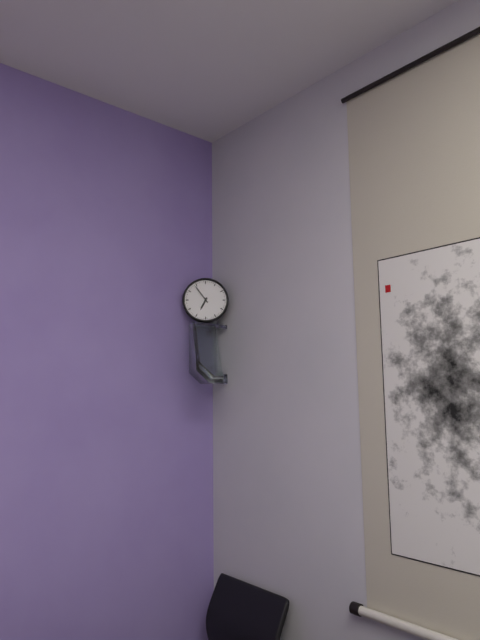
6:54
